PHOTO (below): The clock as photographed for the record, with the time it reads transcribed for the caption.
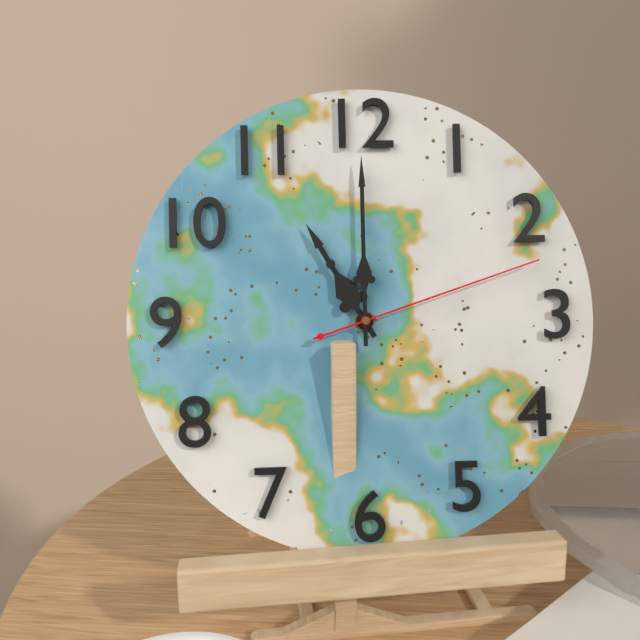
11:00:12
